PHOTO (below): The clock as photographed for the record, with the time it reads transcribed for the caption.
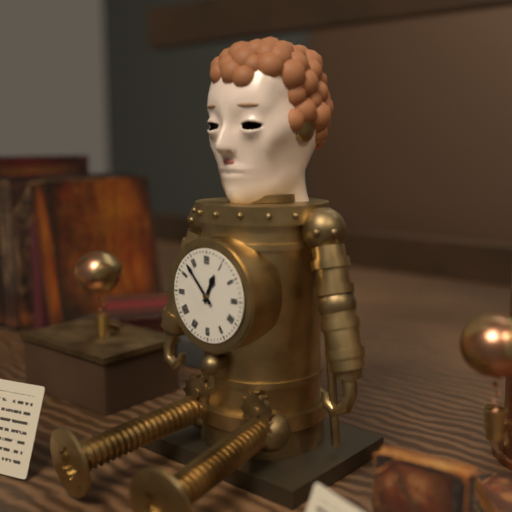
12:53
